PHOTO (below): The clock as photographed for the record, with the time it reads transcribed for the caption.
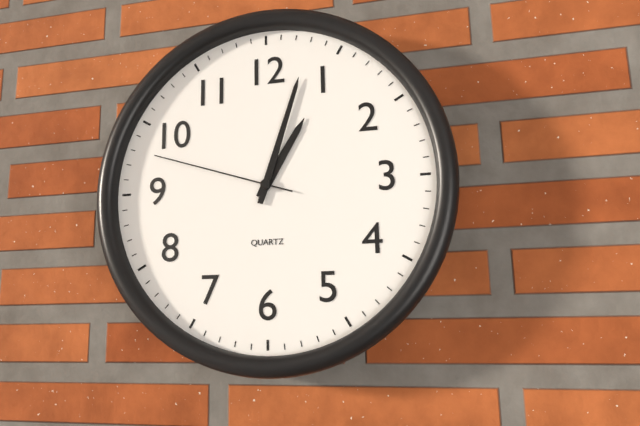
1:03:48
